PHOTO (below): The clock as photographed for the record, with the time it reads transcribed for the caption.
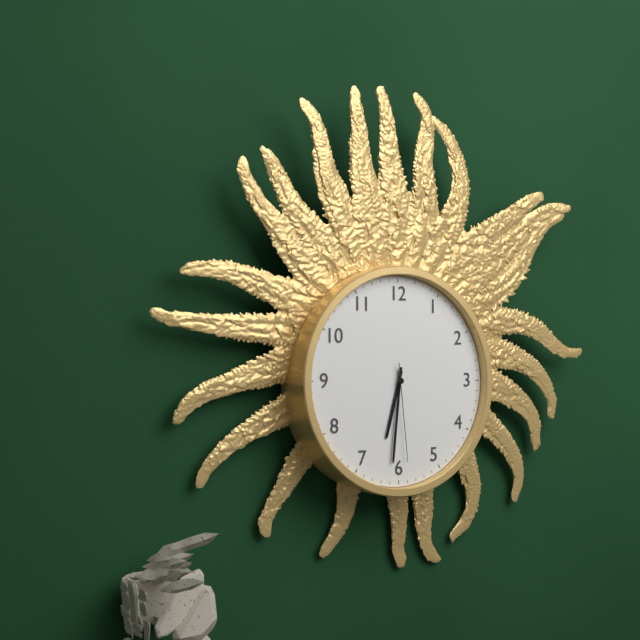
6:31:29
